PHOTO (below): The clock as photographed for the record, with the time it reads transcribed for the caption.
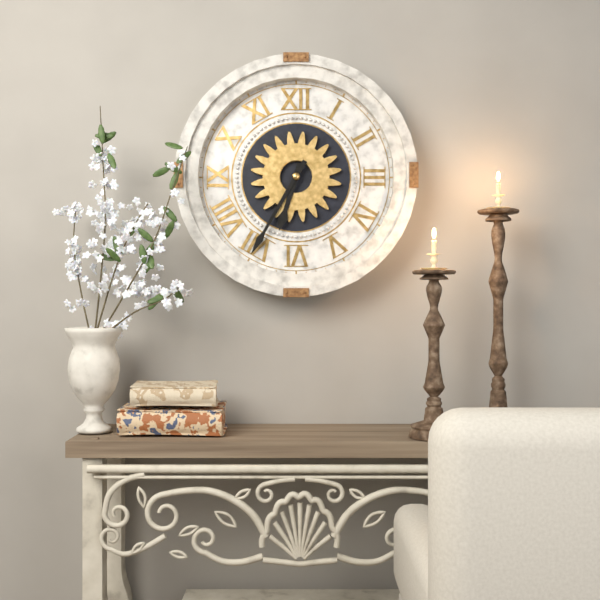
6:35
